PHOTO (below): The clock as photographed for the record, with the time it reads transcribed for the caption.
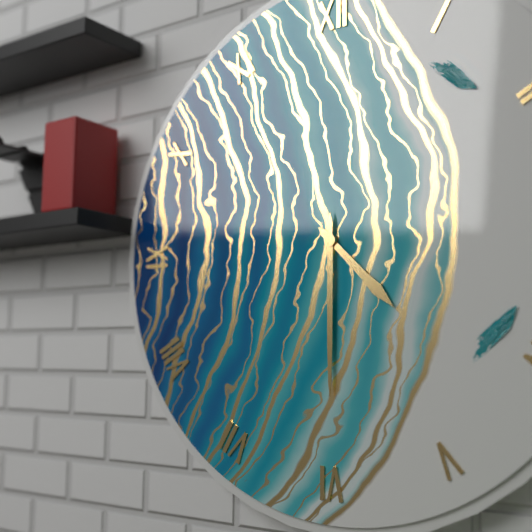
4:30
